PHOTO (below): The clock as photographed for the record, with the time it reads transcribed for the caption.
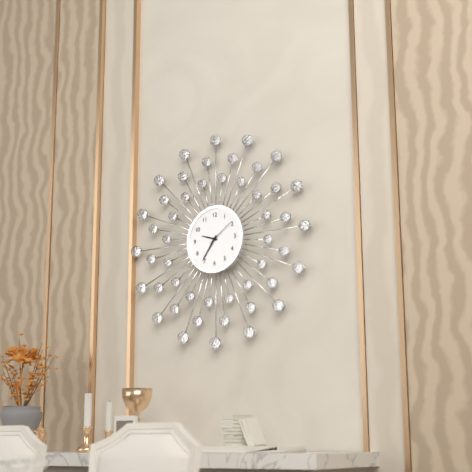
9:36
